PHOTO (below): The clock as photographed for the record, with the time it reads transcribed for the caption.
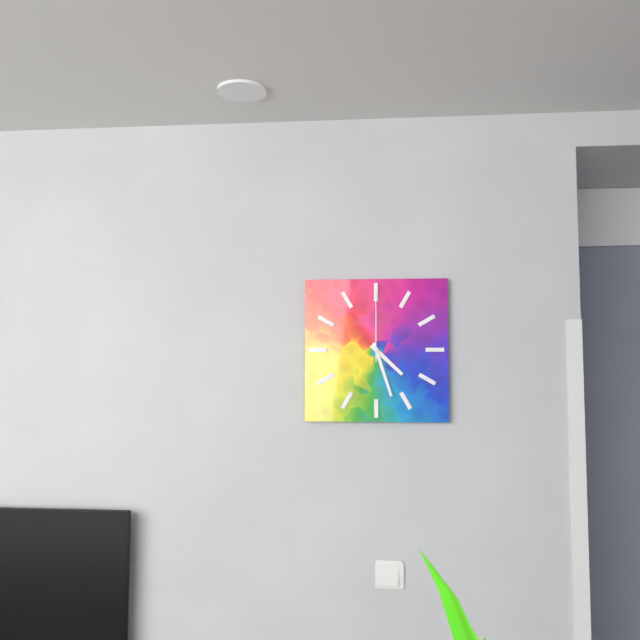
4:27:00
